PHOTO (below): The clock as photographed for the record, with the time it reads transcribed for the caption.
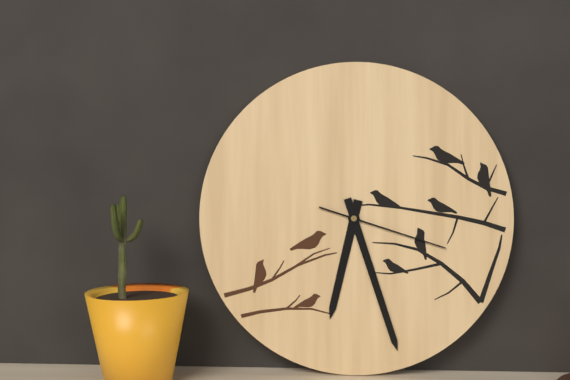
6:27:18
